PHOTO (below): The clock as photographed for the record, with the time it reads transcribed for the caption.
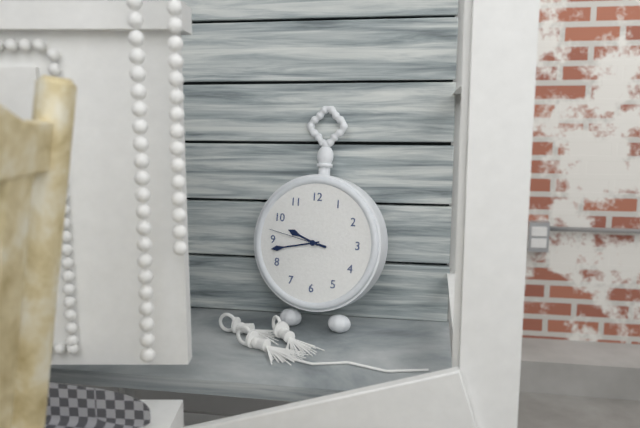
9:43:47
